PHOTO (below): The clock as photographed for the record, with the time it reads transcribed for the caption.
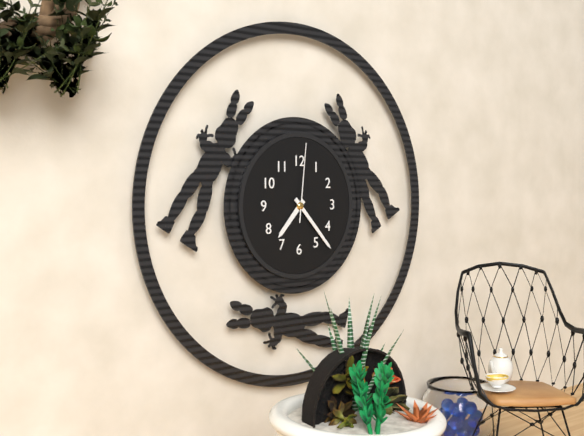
7:23:01
